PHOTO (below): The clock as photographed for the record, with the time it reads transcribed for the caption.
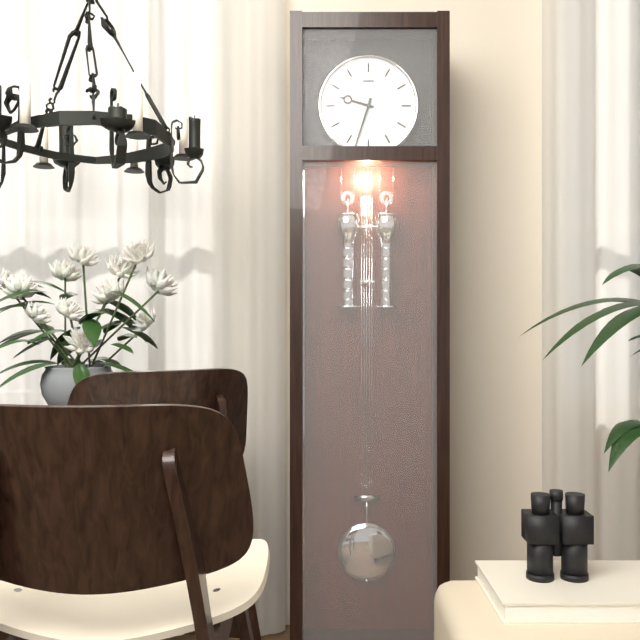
9:33
